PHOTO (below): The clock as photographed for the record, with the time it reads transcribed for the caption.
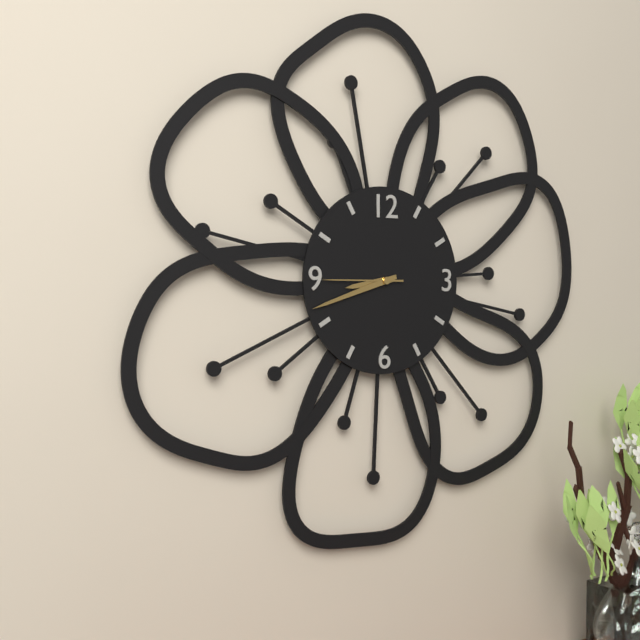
8:42:45
